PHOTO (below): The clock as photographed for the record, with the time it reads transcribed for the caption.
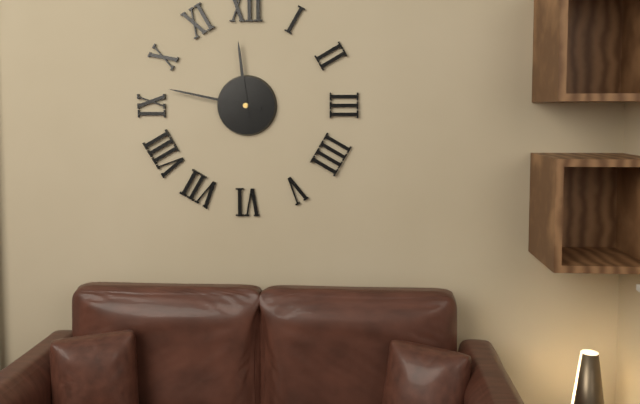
11:47
